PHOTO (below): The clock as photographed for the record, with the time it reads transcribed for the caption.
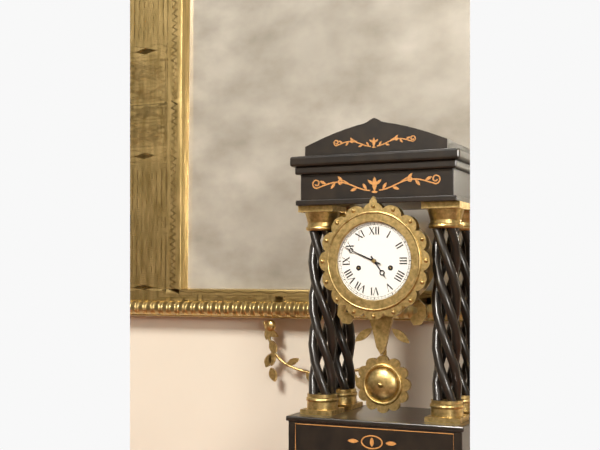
4:49
